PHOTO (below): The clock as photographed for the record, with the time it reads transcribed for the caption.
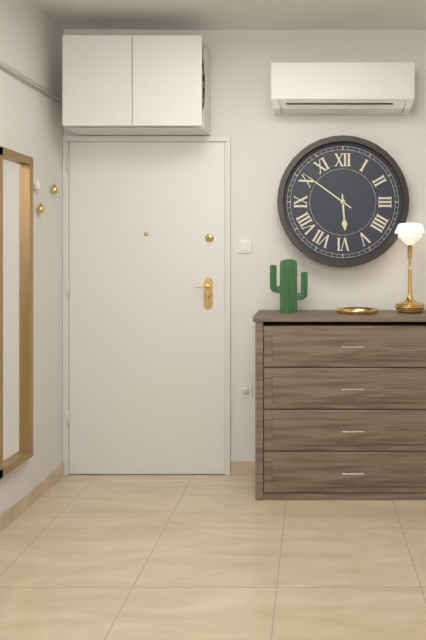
5:51
